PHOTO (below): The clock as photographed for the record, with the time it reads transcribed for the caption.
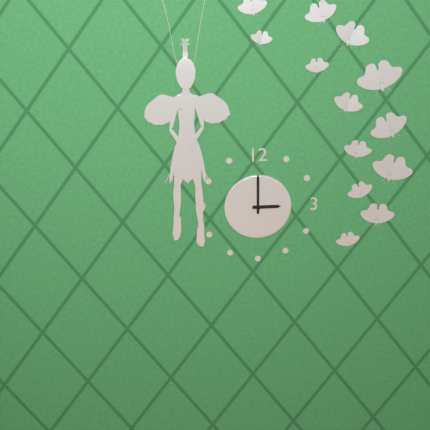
3:00
